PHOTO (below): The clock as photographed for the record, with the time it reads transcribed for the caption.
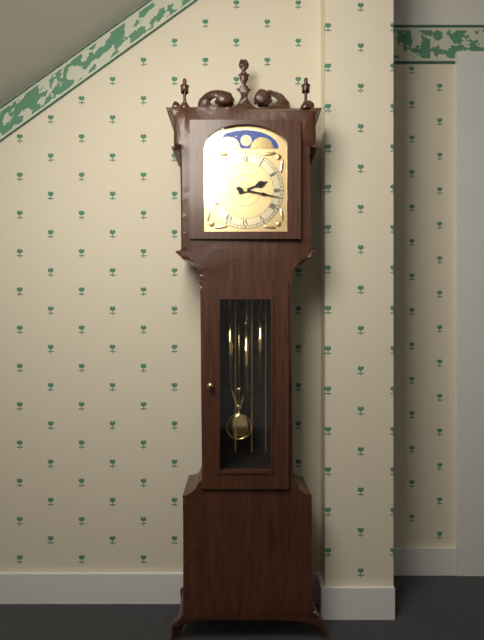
2:17
